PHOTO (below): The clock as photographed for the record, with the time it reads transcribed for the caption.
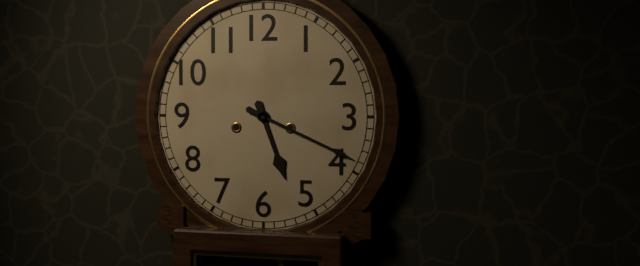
5:19
